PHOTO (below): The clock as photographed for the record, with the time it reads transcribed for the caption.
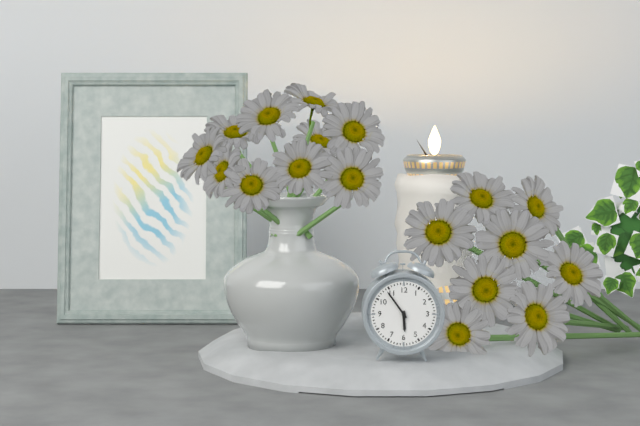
5:54
